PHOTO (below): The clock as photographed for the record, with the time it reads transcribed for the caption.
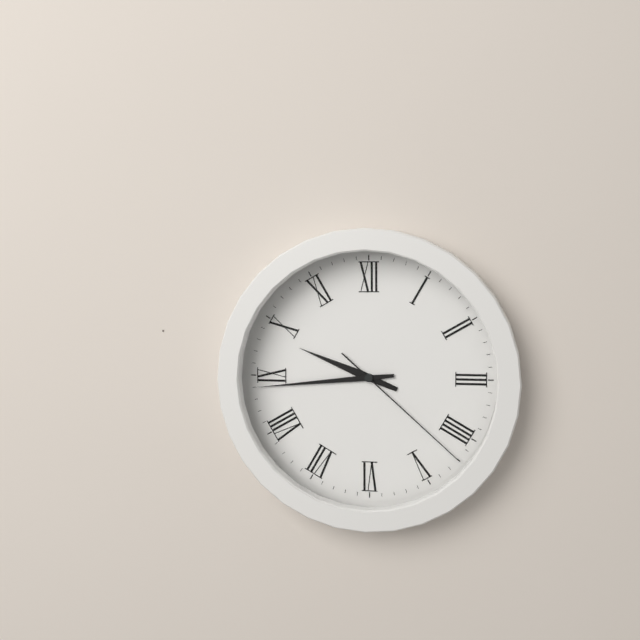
9:44:22
